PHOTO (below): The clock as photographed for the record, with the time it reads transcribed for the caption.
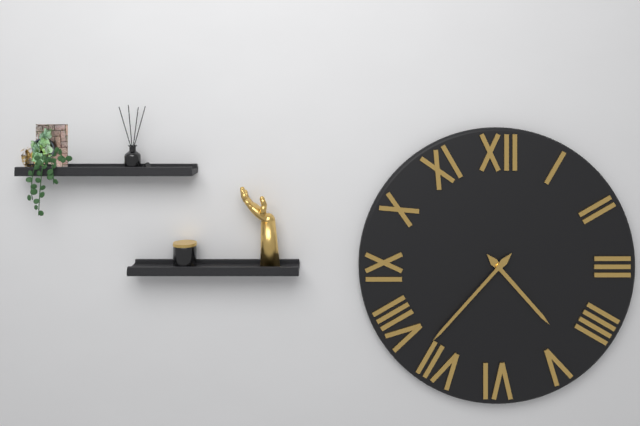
4:37
